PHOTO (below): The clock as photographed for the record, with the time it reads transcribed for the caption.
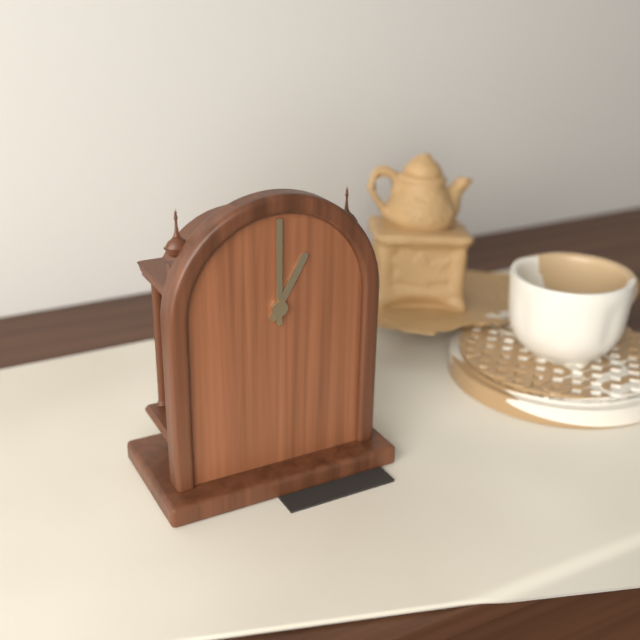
1:00
